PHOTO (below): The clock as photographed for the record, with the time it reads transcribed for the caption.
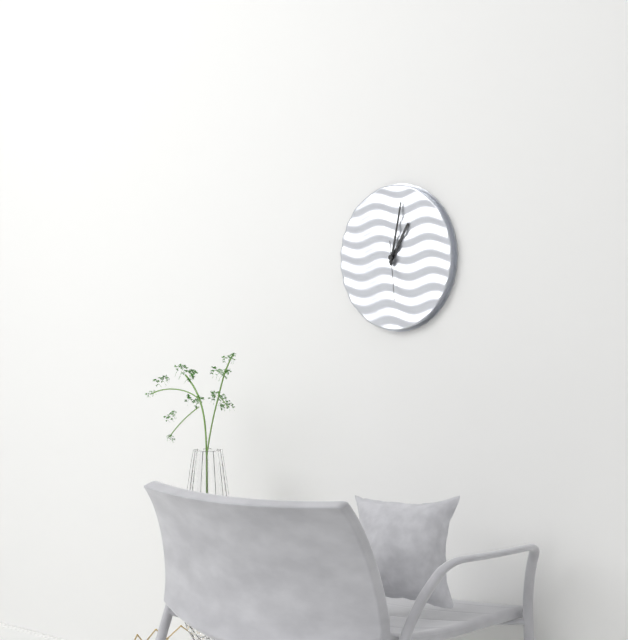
1:02:29
